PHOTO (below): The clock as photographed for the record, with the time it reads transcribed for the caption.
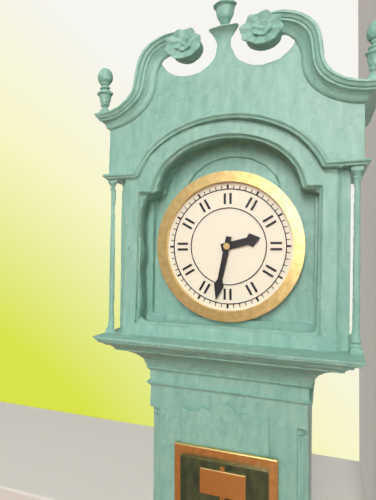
2:32
